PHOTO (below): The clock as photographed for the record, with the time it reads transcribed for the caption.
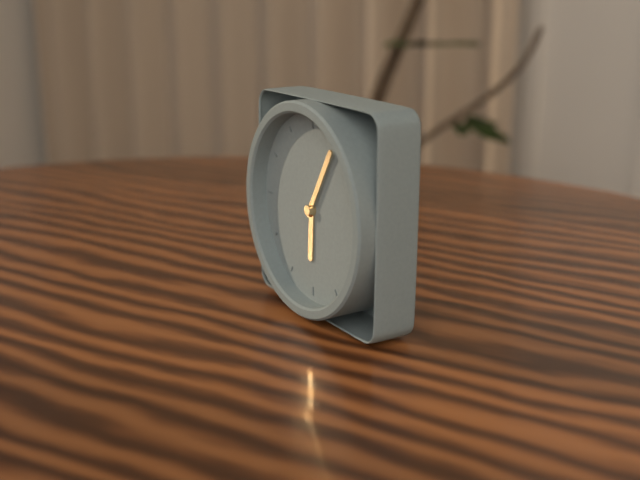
6:05
